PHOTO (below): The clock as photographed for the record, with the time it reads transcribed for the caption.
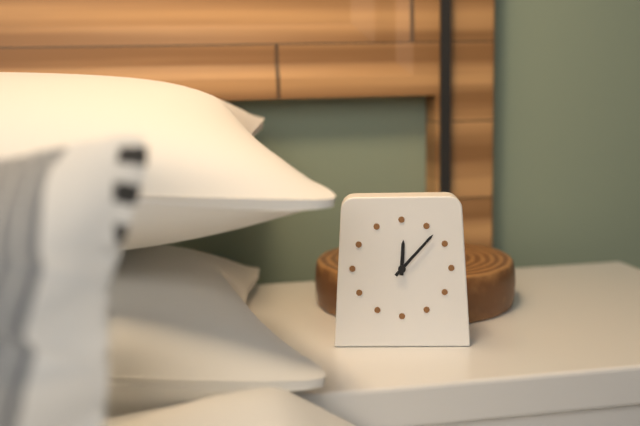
12:07
